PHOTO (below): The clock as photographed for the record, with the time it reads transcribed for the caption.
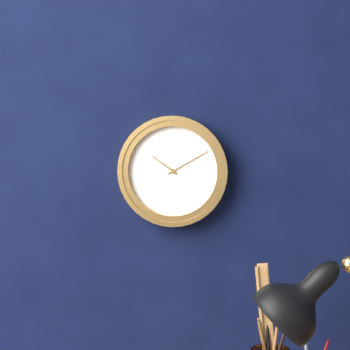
10:10
